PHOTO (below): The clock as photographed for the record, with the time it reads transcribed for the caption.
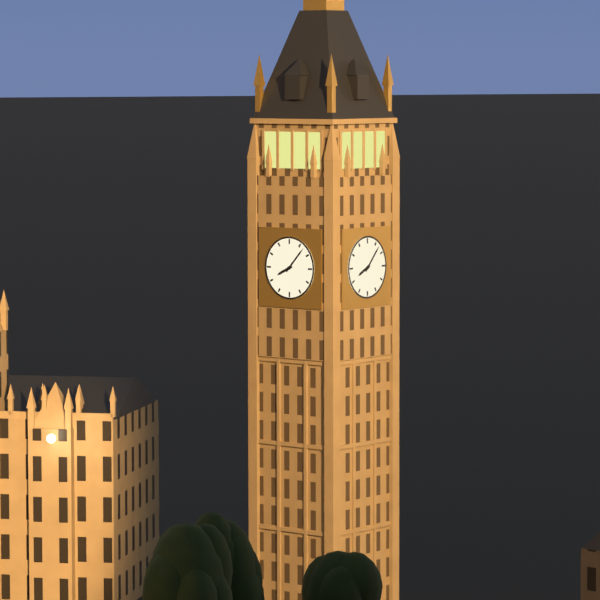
8:07
